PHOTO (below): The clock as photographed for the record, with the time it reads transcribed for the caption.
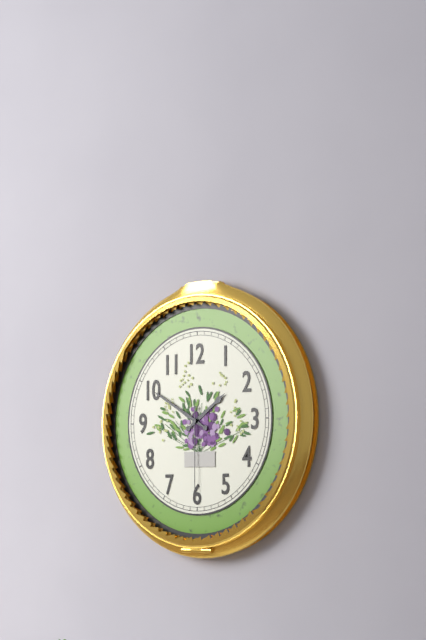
1:50:30
